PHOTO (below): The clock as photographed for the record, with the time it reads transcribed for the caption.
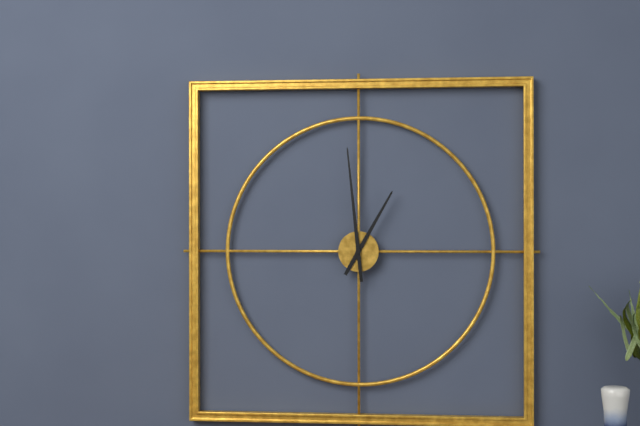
12:59
